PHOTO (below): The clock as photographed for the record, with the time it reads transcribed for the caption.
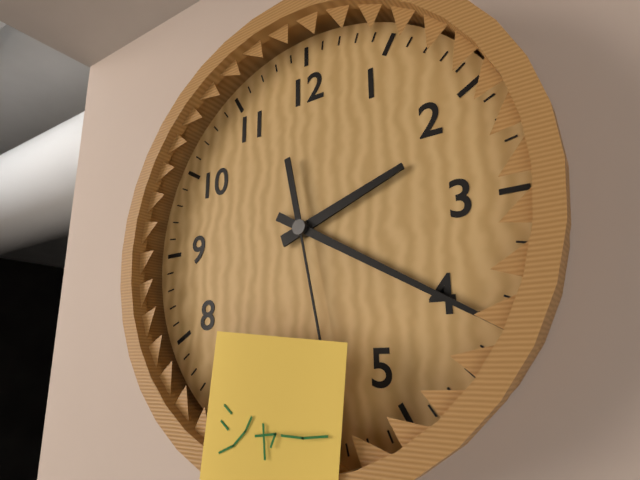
2:20
